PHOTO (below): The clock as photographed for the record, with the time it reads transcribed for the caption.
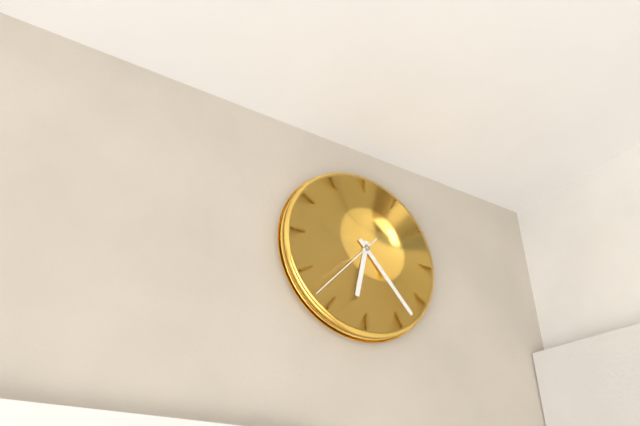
6:23:37
